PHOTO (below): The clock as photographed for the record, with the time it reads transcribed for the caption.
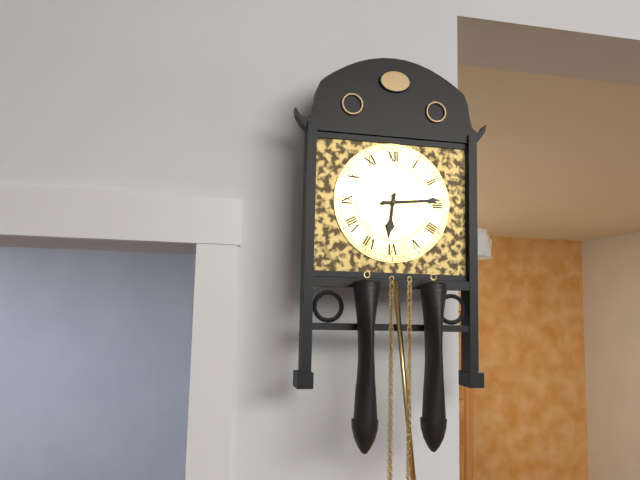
6:14
